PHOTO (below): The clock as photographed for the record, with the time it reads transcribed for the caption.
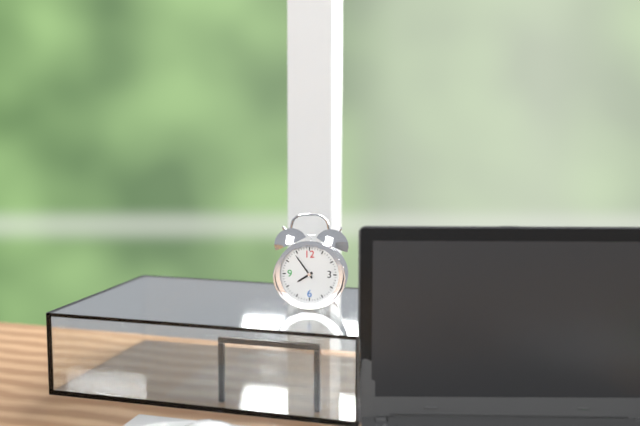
7:54
